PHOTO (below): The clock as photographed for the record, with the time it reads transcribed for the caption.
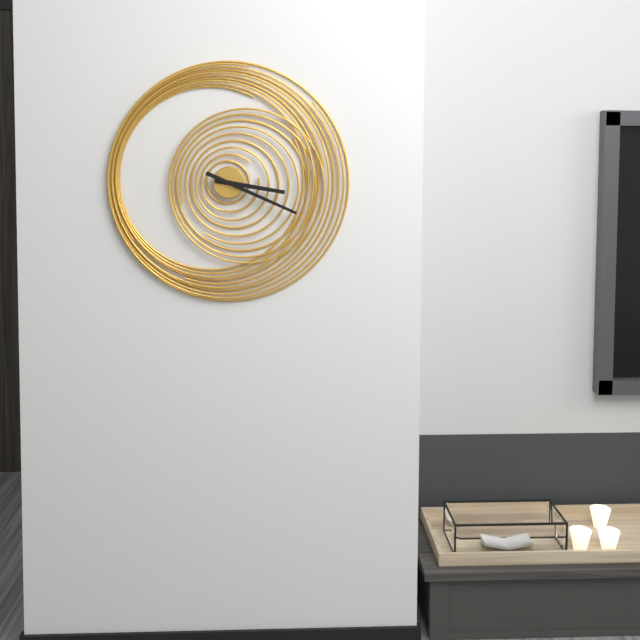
3:19
